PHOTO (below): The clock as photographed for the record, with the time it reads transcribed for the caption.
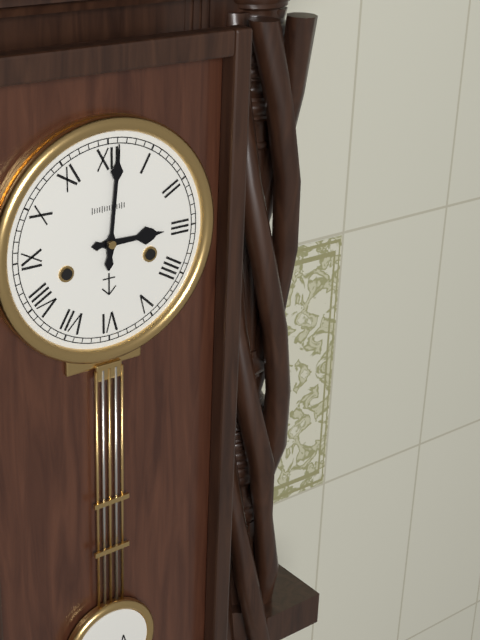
3:01
